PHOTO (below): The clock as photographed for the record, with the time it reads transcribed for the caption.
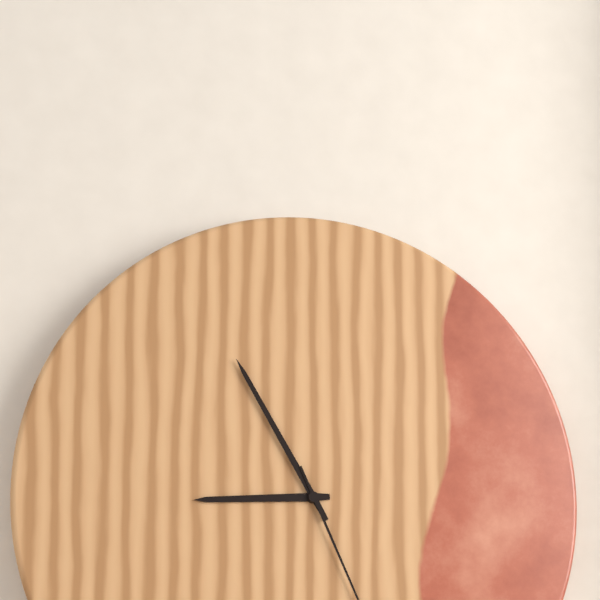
8:55
